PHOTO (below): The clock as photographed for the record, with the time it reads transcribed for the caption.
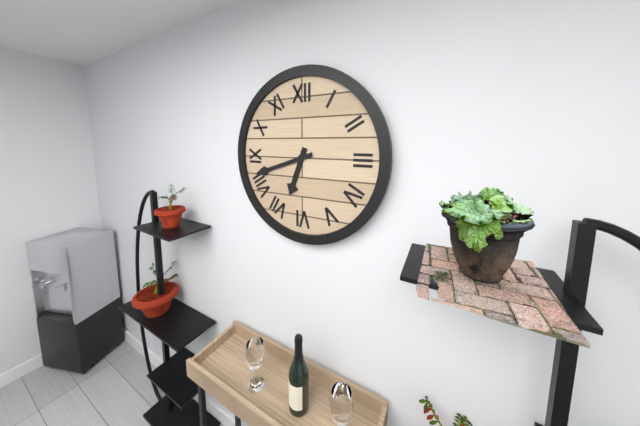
6:42
